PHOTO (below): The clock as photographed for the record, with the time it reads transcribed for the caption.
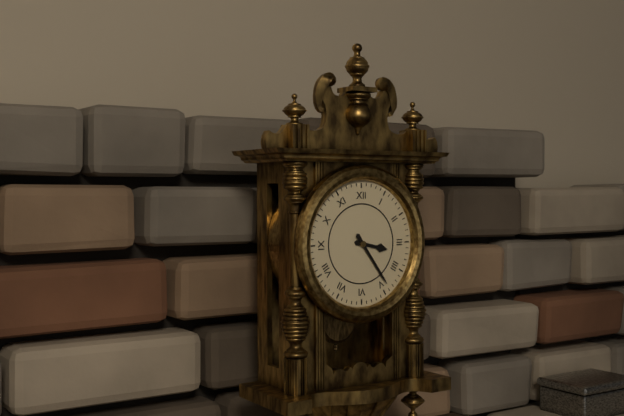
3:24
